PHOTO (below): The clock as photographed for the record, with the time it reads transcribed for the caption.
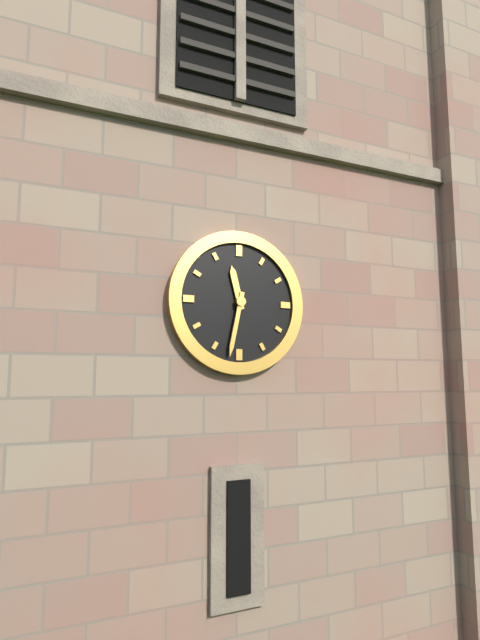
11:32
